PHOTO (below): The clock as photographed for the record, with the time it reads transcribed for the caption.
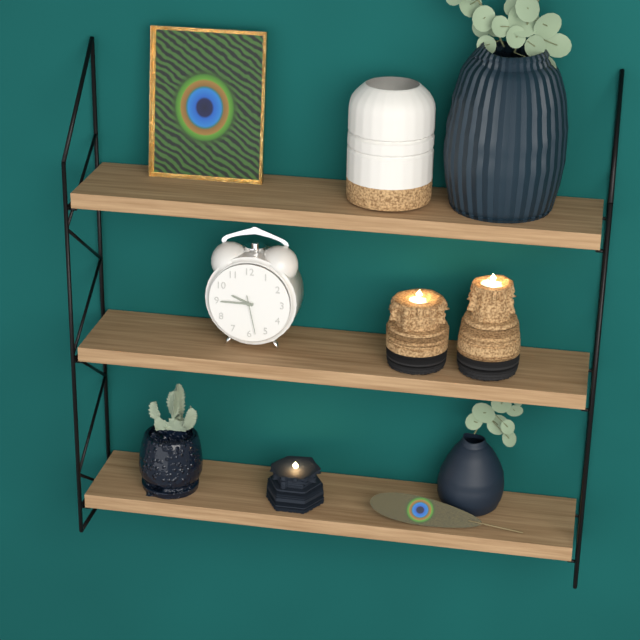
9:45
